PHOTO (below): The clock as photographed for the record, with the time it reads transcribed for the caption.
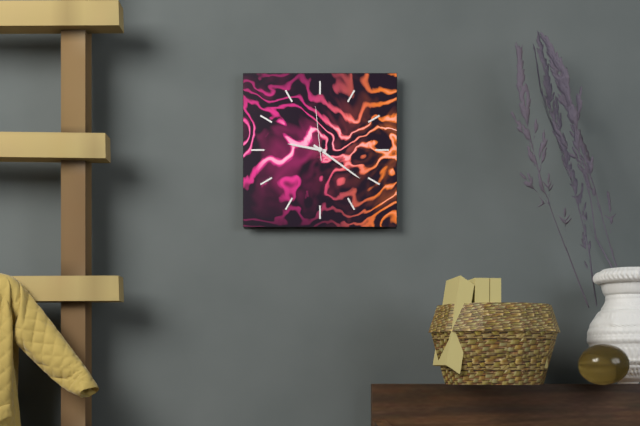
9:21:59
